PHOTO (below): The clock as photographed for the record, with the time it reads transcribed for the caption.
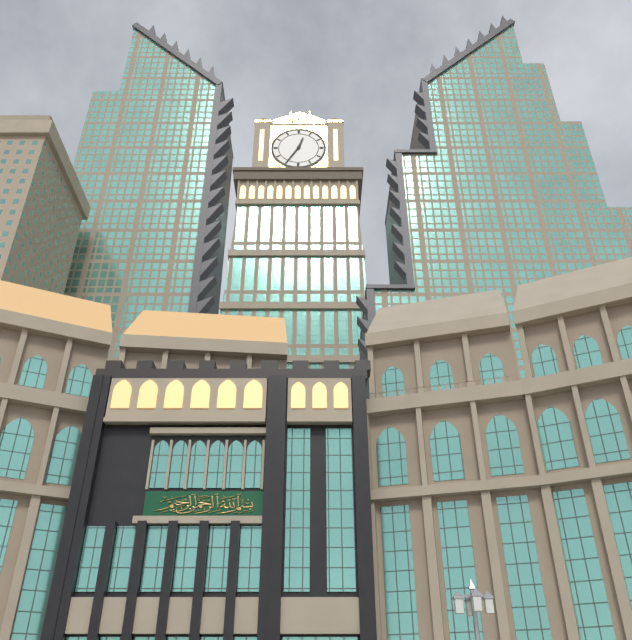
12:35
